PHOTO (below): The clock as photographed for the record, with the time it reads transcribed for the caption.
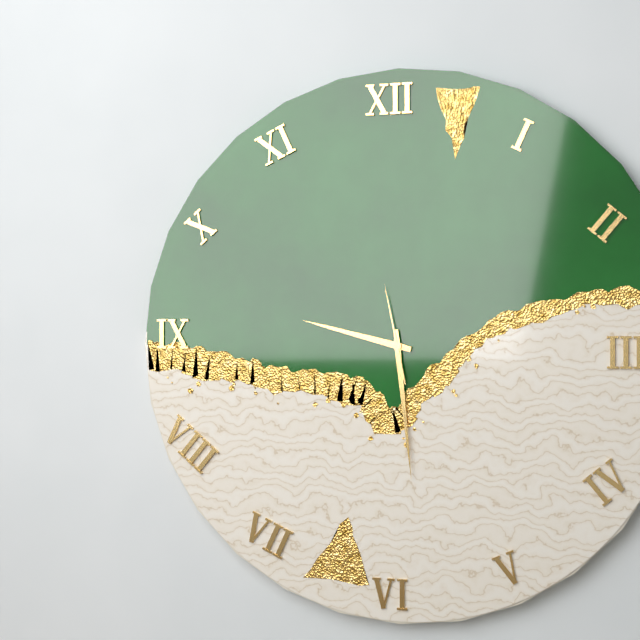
9:29:58
